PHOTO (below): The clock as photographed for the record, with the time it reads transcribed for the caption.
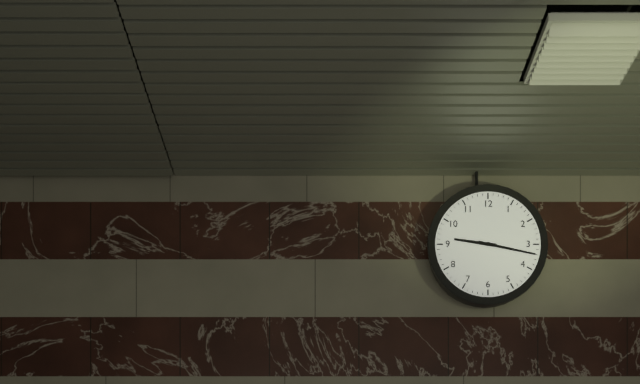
9:17
